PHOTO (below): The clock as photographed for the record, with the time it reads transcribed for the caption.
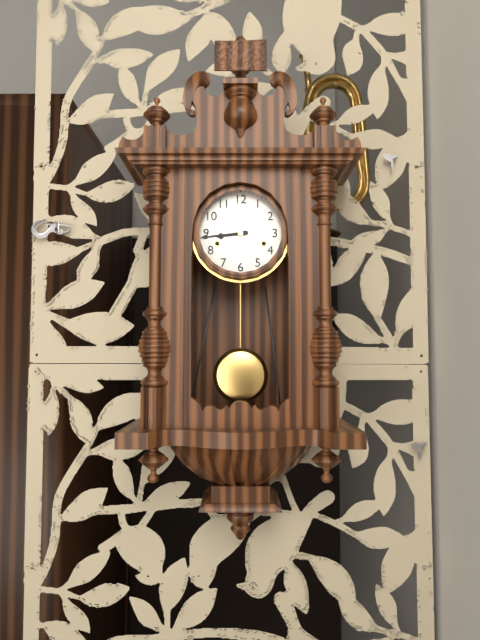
8:44
